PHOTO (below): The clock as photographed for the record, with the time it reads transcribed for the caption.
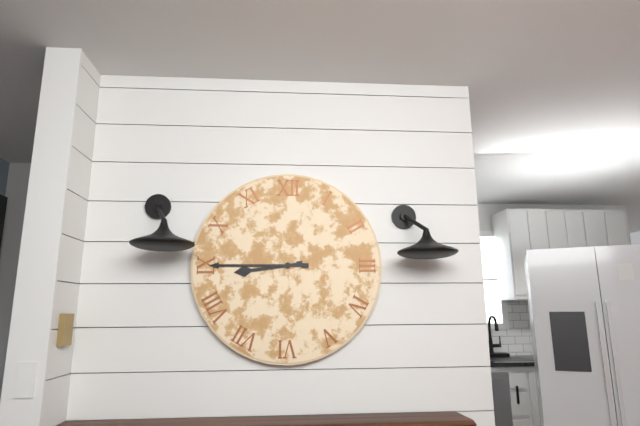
8:45
